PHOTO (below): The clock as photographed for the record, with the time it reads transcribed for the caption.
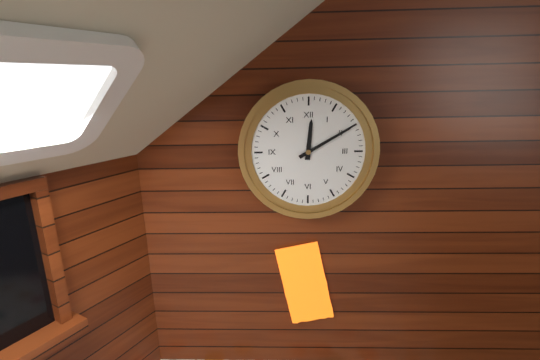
12:10
